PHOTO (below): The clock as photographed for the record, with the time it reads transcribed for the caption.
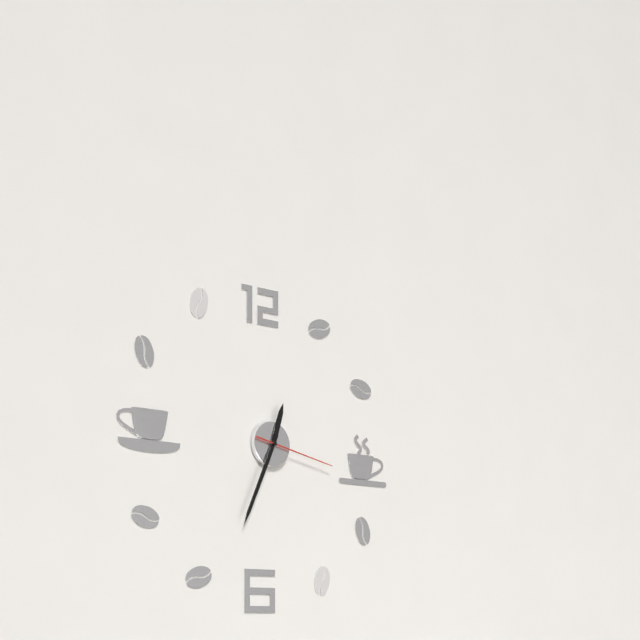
12:34:17
